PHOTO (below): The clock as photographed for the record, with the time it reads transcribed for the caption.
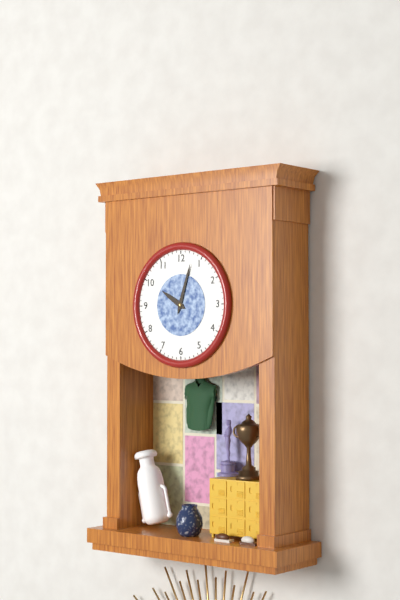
10:03
